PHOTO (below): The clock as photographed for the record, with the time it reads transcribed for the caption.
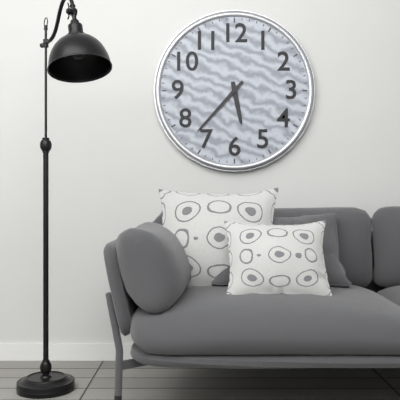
5:37
